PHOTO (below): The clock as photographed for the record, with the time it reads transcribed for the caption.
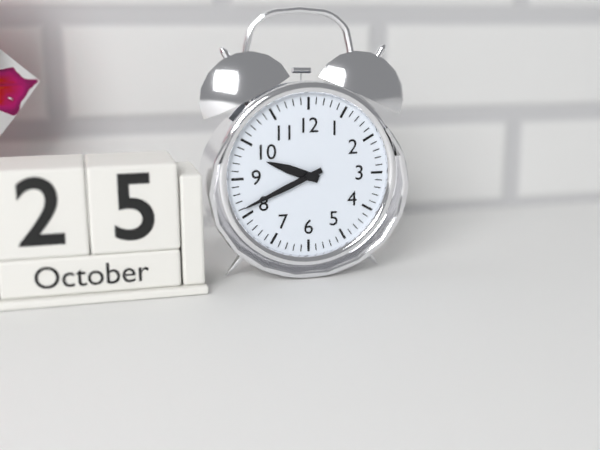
9:41
